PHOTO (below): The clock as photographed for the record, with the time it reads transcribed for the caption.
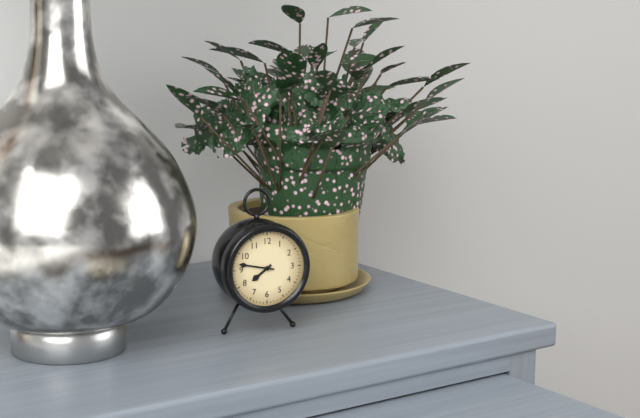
7:47
